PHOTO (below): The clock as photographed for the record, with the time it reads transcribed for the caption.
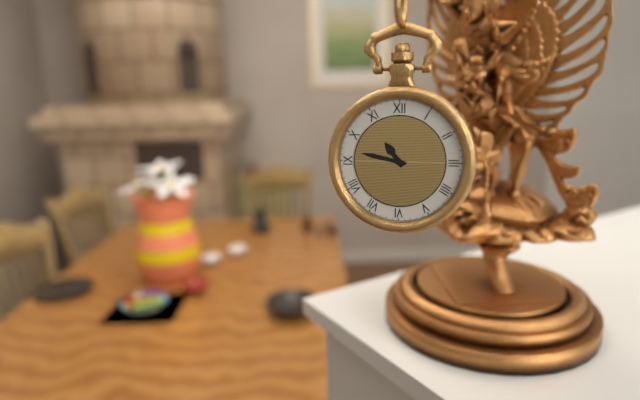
10:47
